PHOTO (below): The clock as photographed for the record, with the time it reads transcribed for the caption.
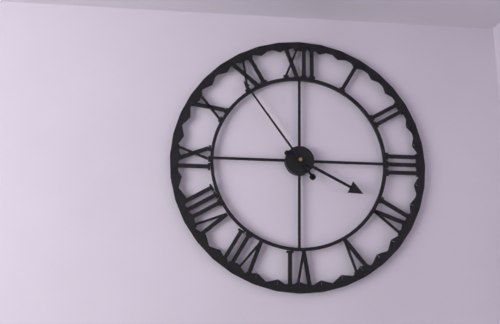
3:54
